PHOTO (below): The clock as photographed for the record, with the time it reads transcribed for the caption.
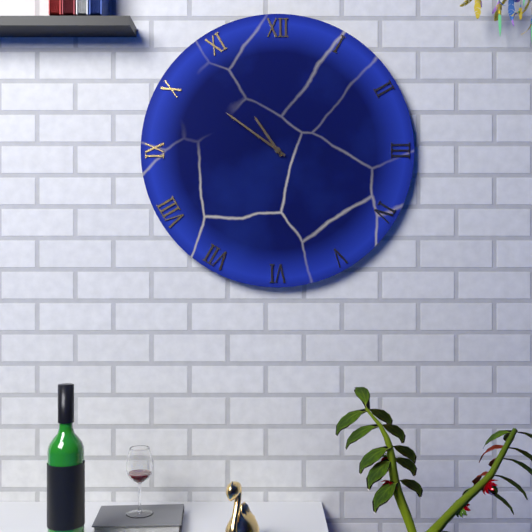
10:51
